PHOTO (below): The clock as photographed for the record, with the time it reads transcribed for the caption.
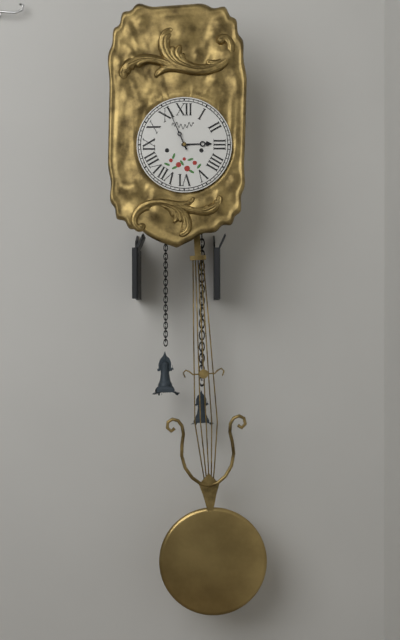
2:56
